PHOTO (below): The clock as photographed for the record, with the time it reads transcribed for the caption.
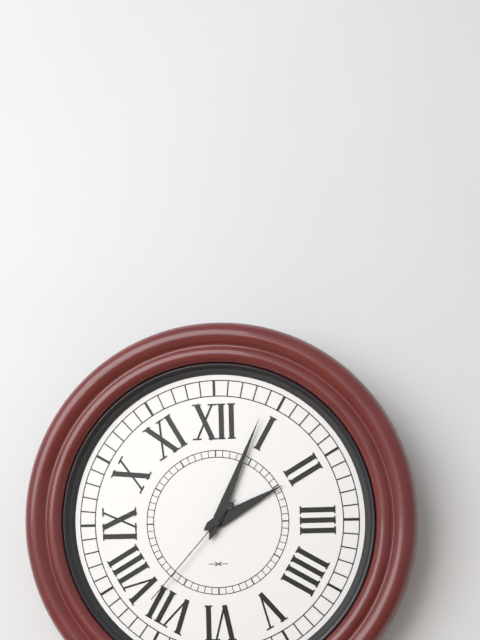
2:04:37
